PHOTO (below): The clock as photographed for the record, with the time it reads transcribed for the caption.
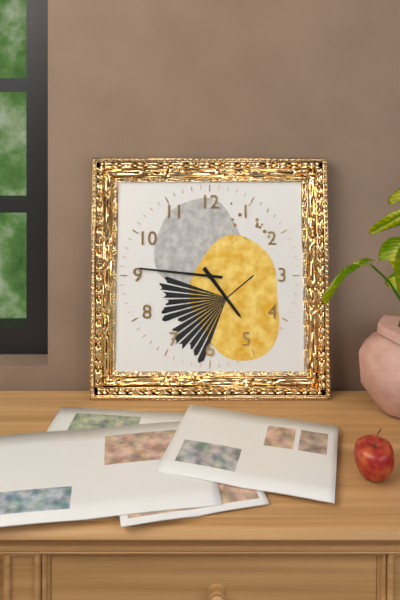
4:46
